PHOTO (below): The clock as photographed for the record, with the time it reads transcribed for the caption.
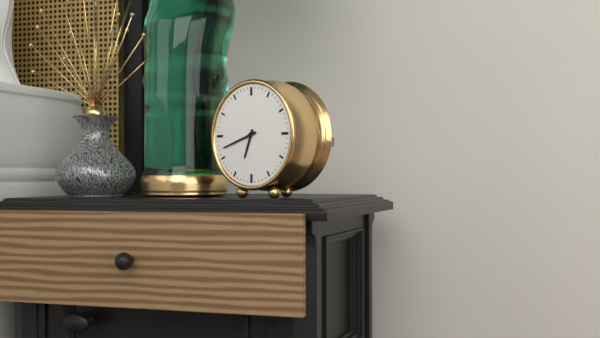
6:42
